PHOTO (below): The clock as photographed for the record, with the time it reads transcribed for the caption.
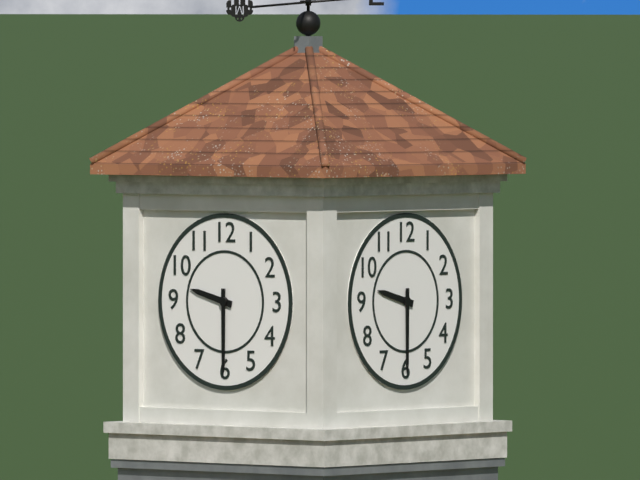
9:30
